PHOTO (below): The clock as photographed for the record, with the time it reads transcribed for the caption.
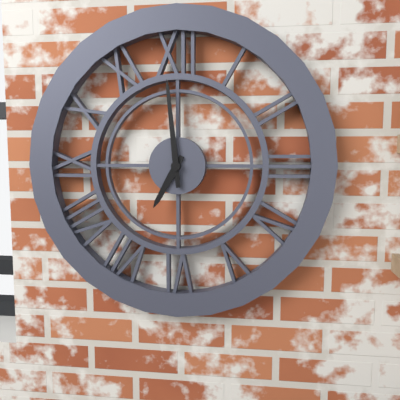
6:59
